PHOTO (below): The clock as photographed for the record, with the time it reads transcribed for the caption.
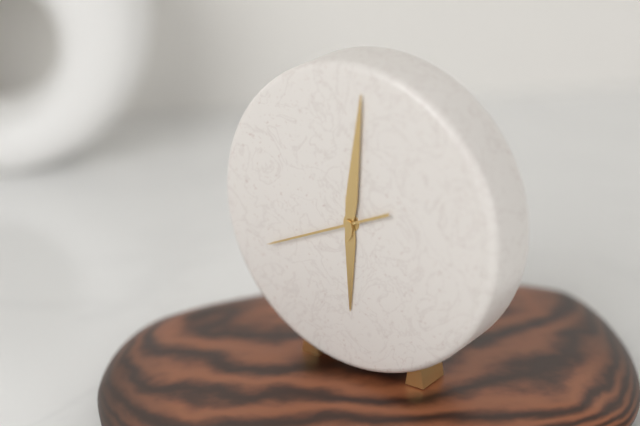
6:01:41
